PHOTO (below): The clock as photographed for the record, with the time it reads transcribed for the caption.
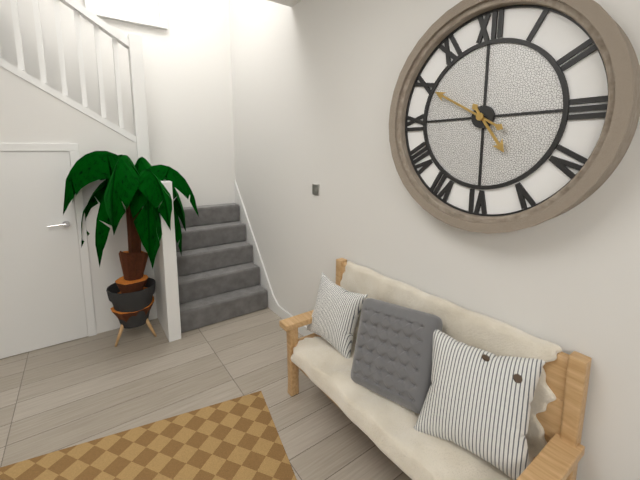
4:50
